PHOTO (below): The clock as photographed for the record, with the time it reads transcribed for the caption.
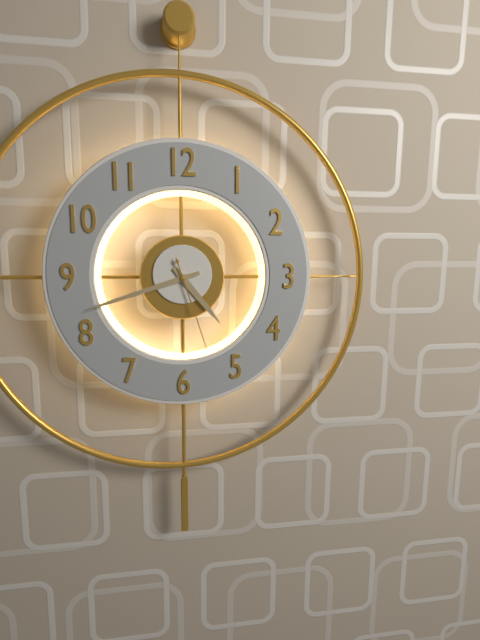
4:42:27
